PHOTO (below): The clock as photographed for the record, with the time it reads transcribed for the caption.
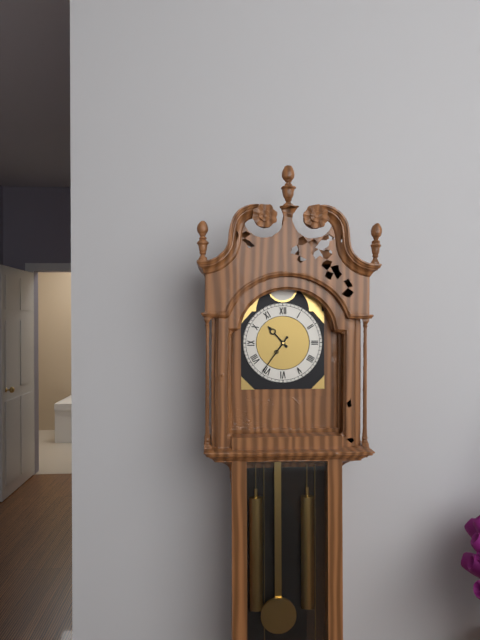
10:36
